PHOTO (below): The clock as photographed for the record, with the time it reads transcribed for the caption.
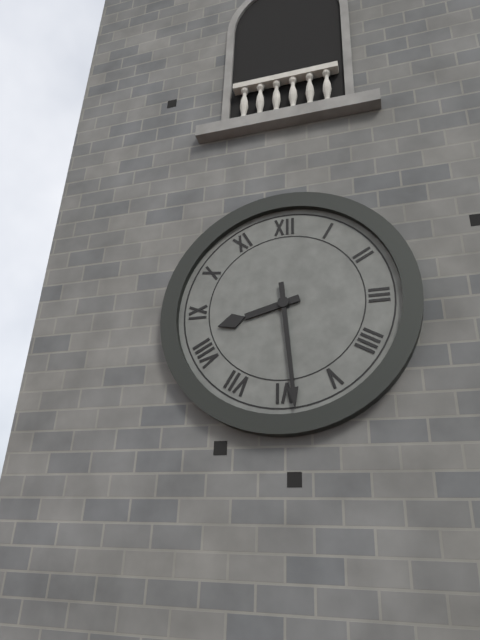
8:29
